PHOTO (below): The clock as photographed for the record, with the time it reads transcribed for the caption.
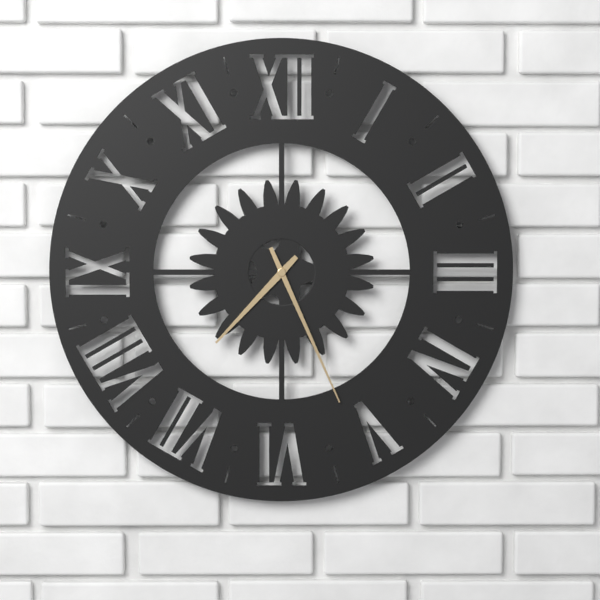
7:26
